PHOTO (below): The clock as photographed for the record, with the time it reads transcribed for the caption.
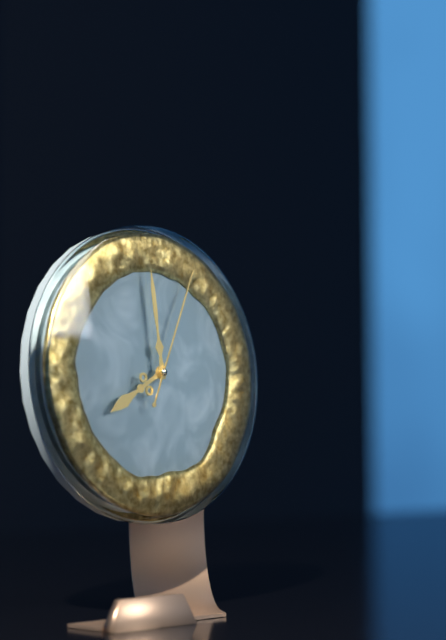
7:59:04
